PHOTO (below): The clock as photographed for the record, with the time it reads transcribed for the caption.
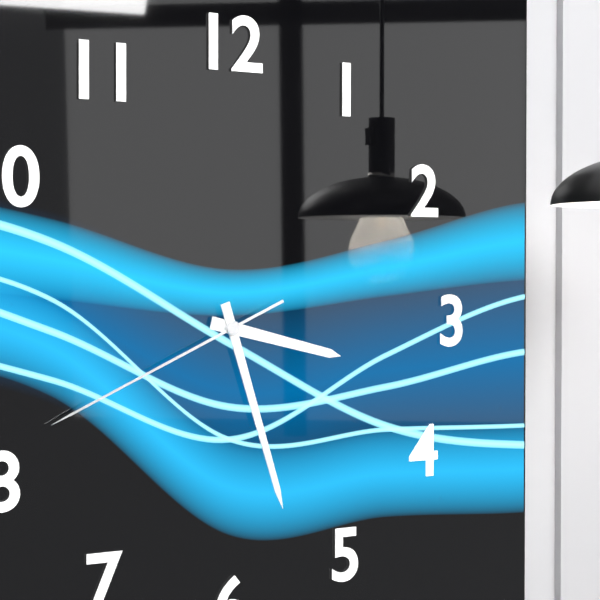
3:27:41
